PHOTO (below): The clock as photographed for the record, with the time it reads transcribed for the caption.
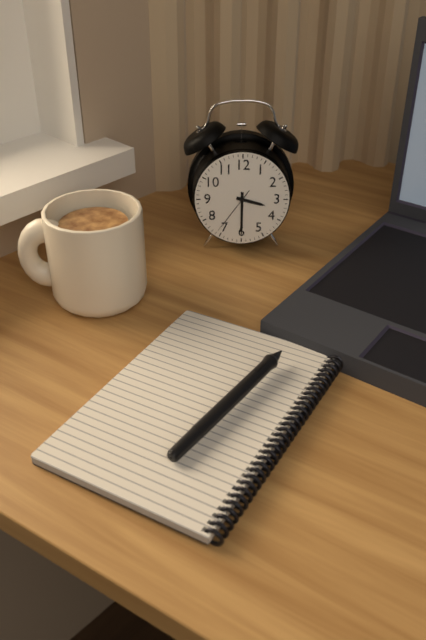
3:30:36
